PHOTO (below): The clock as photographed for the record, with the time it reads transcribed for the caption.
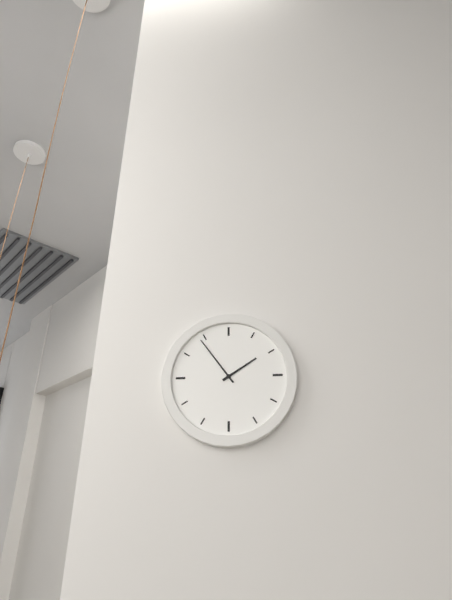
1:54
